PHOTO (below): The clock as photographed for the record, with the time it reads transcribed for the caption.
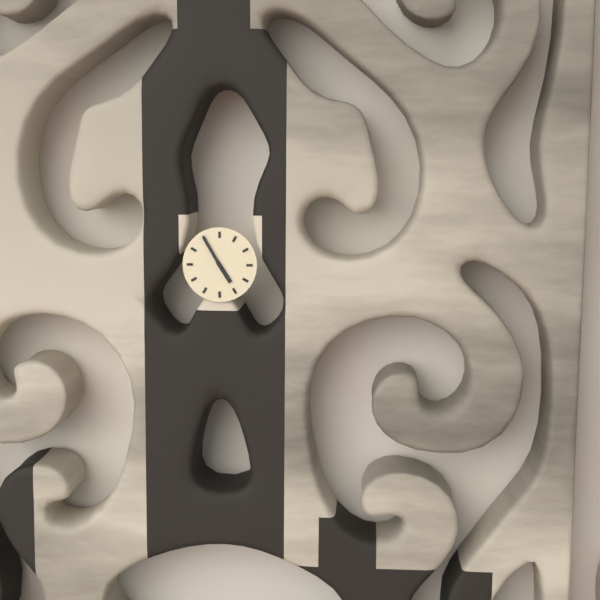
4:55
